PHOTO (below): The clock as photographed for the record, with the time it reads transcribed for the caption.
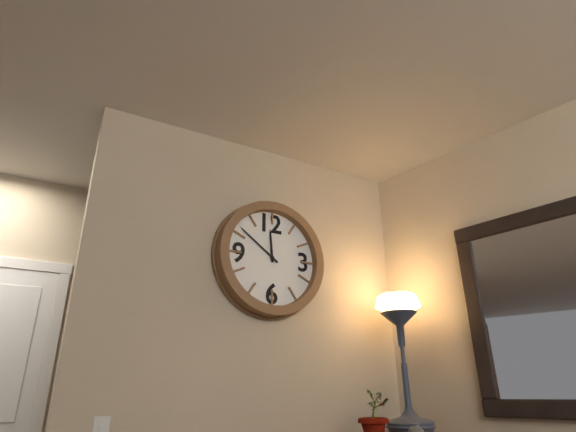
11:51
